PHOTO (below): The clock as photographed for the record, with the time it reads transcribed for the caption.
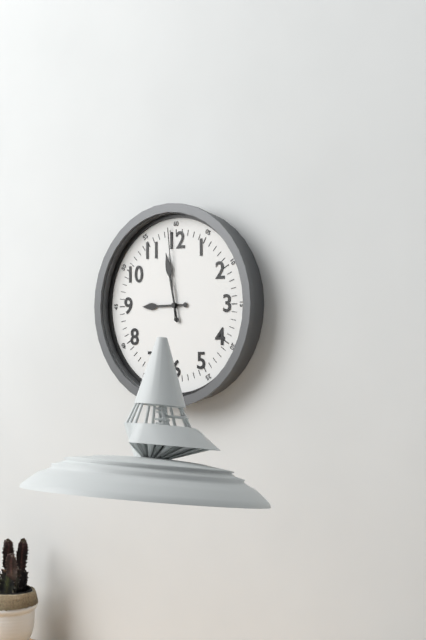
8:58:59
